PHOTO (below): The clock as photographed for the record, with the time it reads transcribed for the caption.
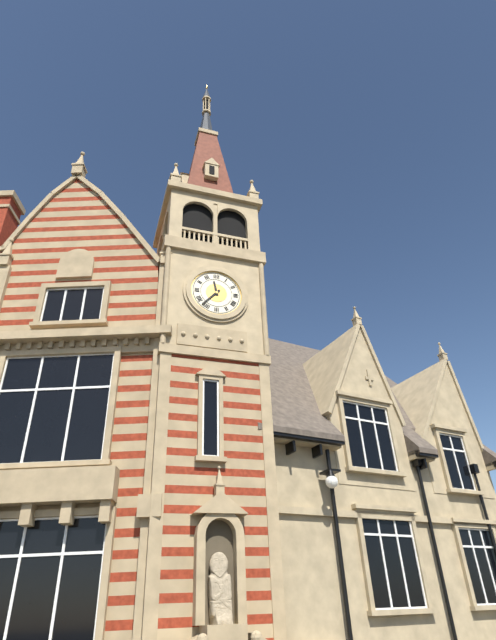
11:37
